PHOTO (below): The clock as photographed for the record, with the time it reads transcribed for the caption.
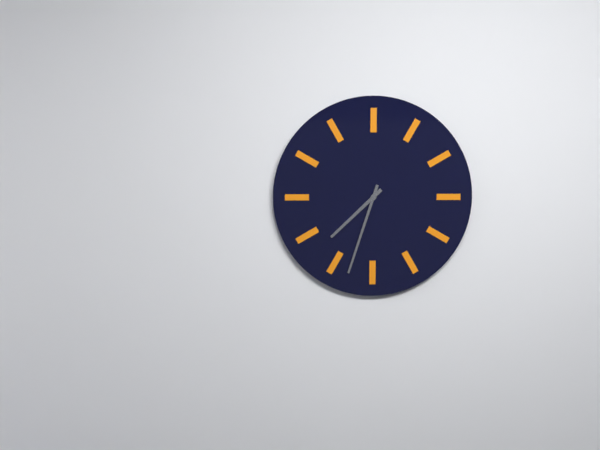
7:33
